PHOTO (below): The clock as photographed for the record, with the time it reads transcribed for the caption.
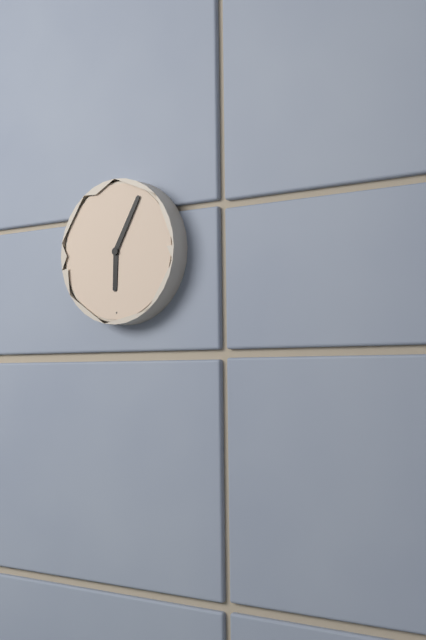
6:05
